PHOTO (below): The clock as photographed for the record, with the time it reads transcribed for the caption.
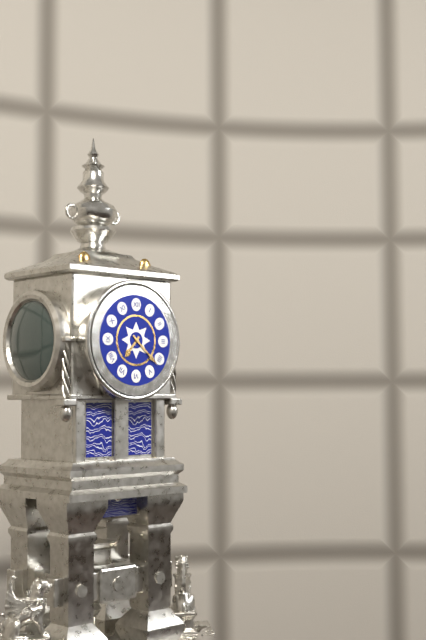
7:22
